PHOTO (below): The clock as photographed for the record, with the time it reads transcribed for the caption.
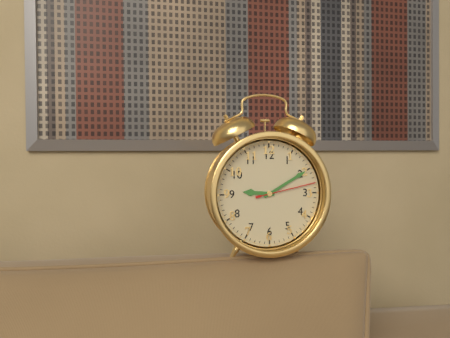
9:10:13
